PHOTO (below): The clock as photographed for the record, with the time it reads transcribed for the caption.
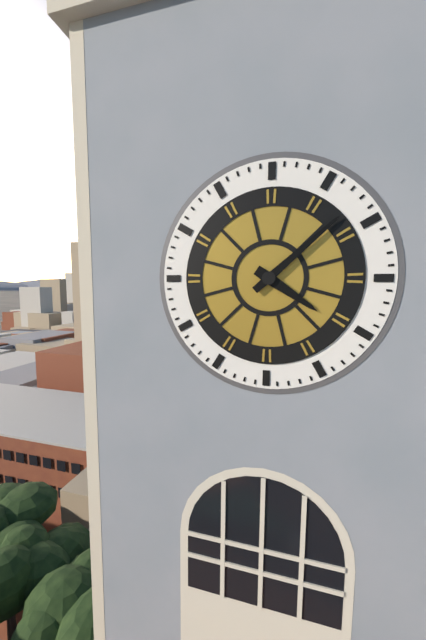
4:08
